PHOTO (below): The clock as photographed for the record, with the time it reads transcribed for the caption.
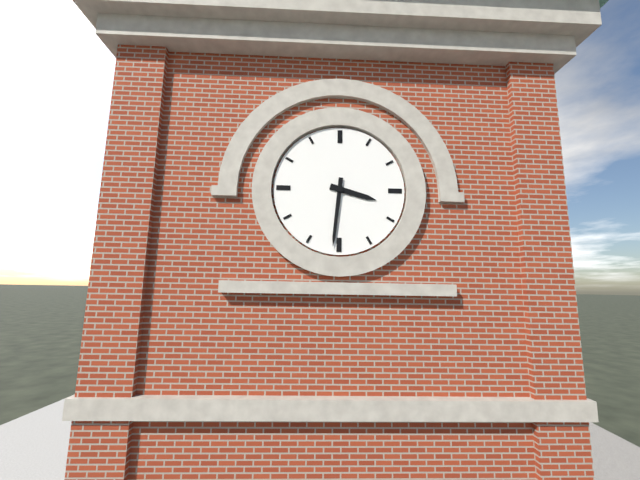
3:31
